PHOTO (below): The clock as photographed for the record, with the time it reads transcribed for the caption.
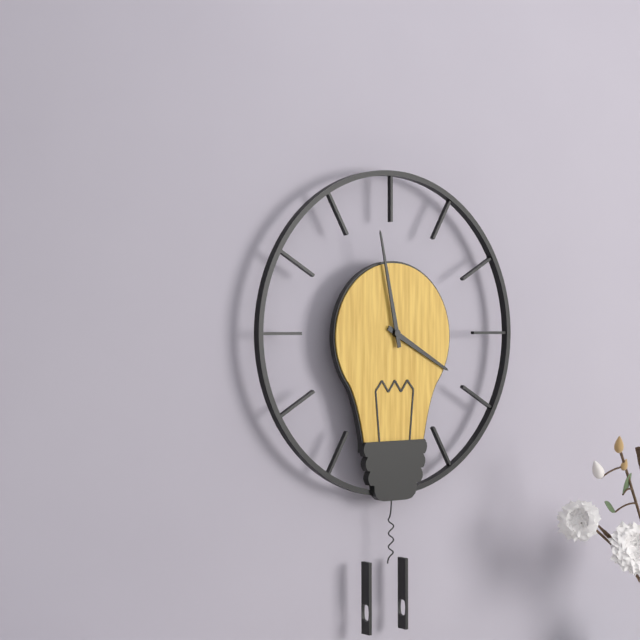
3:58
